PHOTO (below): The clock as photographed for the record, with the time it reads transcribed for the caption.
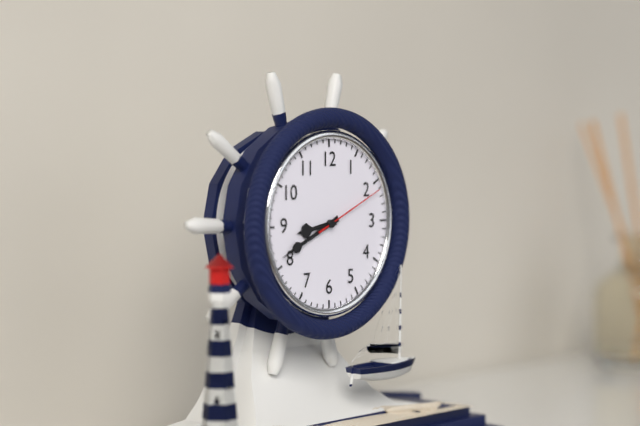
8:41:11
